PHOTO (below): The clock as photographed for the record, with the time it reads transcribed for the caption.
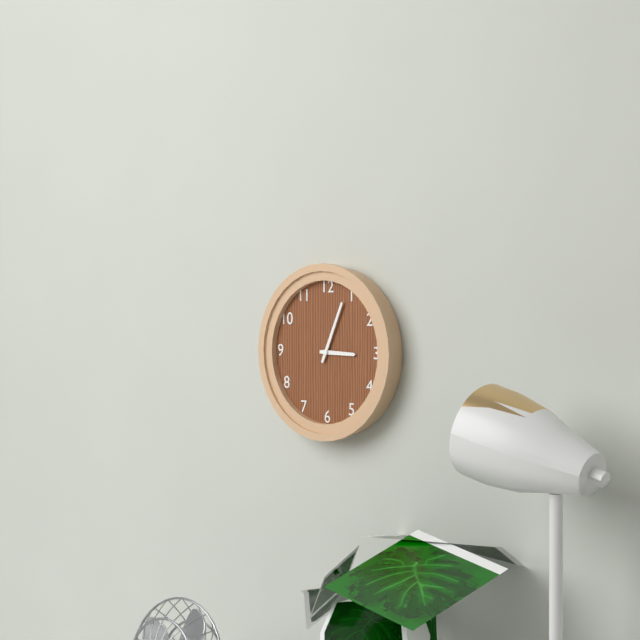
3:04
